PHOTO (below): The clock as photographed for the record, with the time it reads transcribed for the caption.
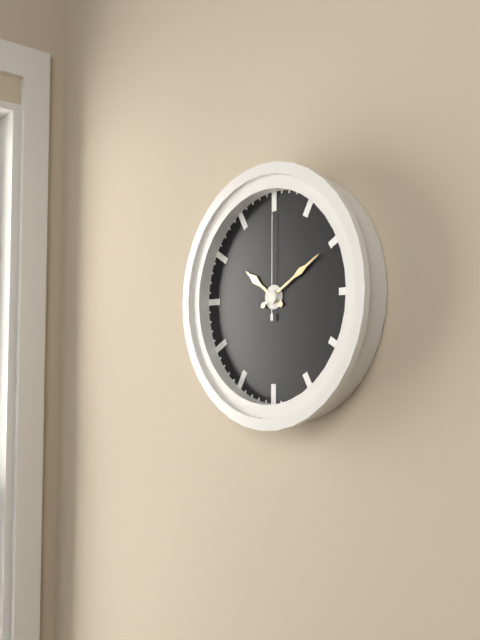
10:10:00
